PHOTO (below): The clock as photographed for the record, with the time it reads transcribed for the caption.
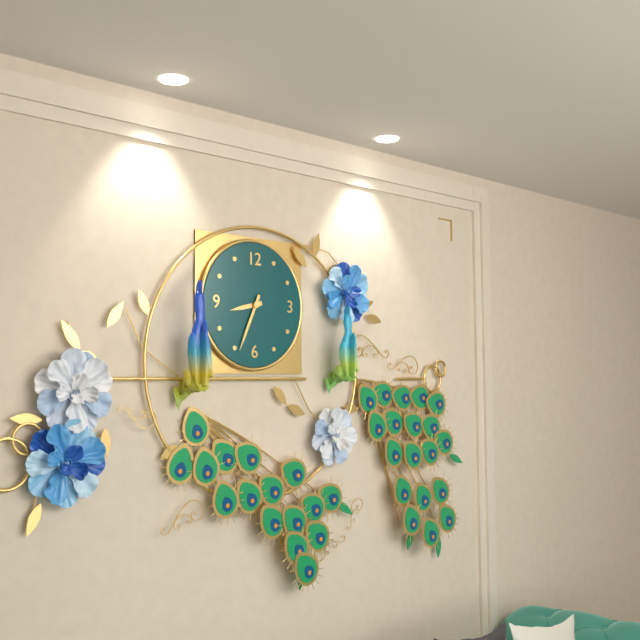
8:34
